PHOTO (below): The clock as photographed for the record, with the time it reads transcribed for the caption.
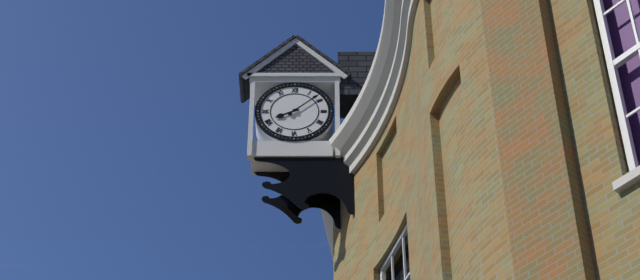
8:08
